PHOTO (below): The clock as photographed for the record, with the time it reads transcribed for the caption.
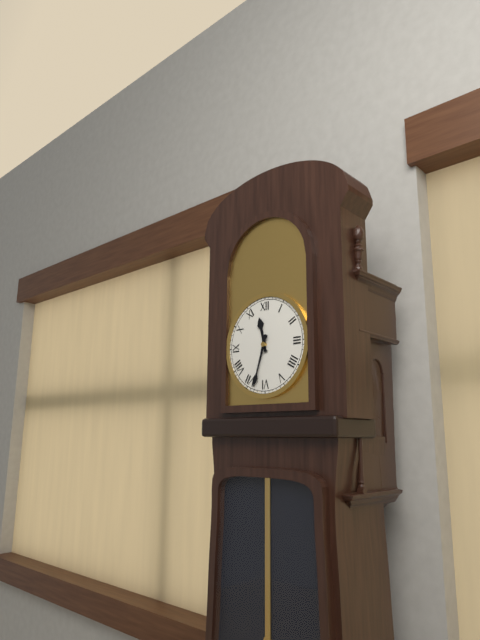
11:33
